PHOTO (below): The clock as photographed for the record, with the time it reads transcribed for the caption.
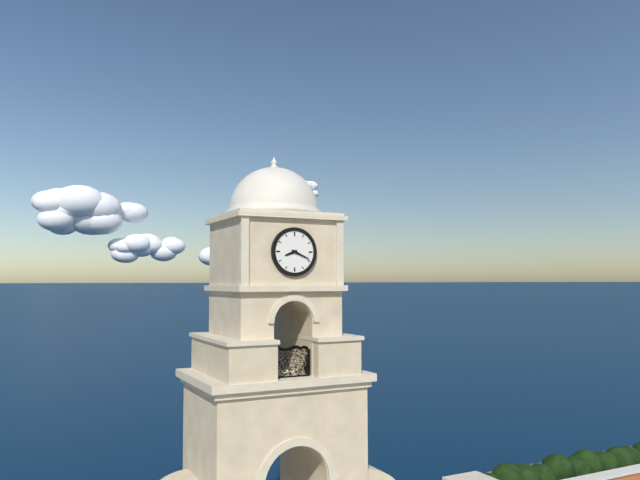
8:19
